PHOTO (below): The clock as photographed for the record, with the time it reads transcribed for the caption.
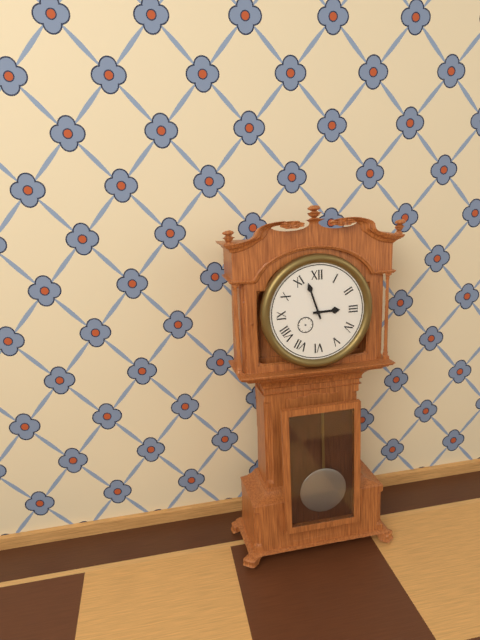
2:57
